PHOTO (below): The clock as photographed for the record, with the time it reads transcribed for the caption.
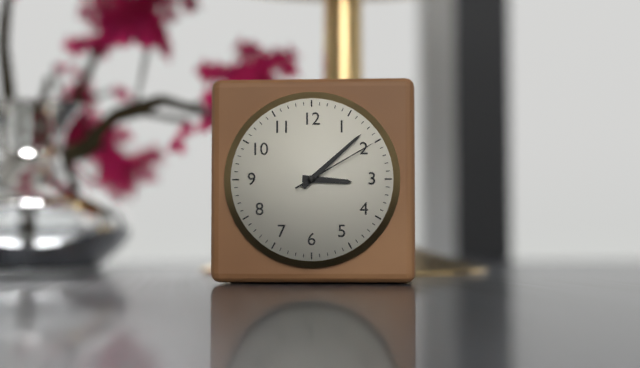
3:08:10
